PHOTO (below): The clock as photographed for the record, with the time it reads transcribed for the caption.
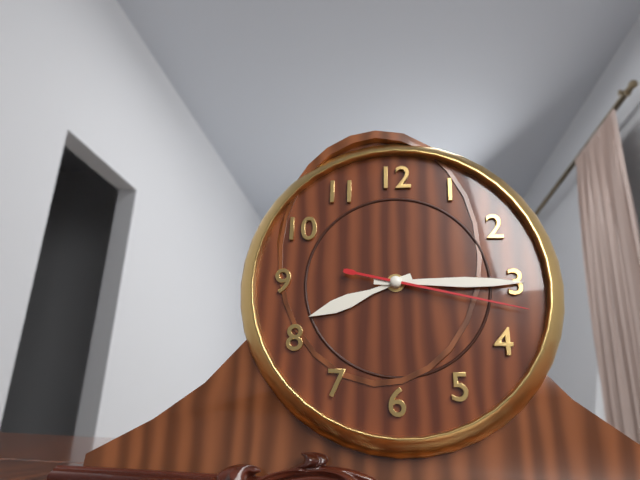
8:15:17
